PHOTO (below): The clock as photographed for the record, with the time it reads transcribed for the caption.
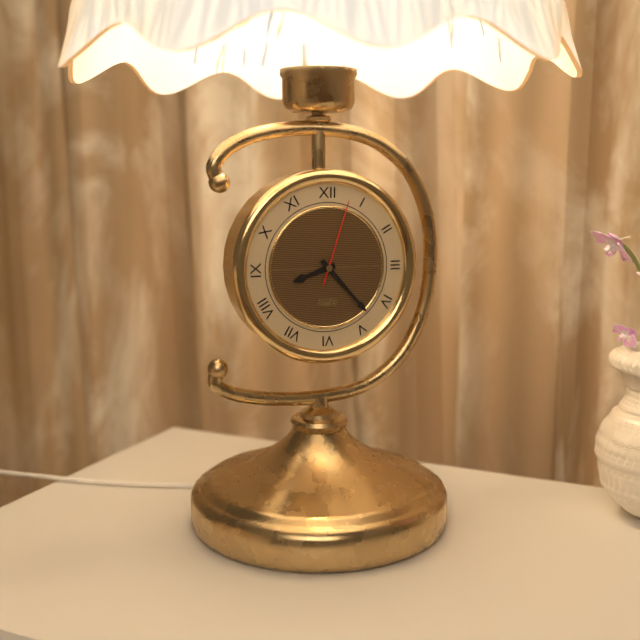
8:23:03
